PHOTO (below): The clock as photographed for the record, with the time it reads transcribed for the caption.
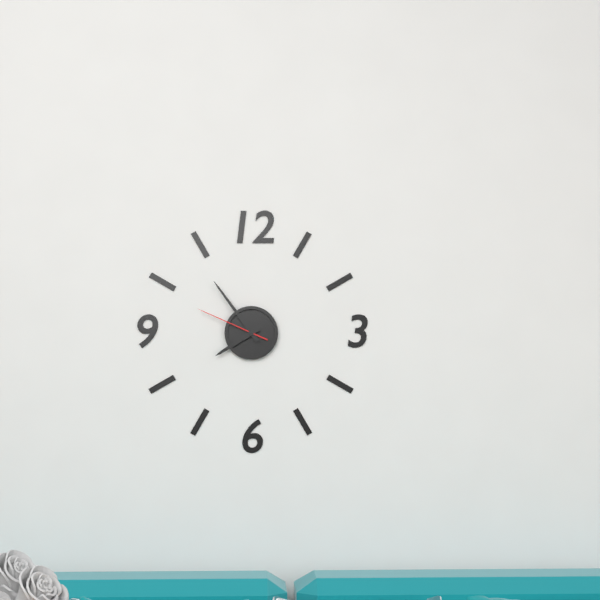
7:54:49
